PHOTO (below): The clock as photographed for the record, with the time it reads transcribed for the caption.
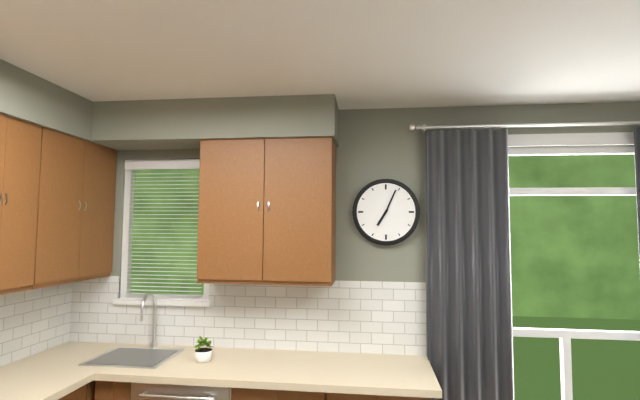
7:04
